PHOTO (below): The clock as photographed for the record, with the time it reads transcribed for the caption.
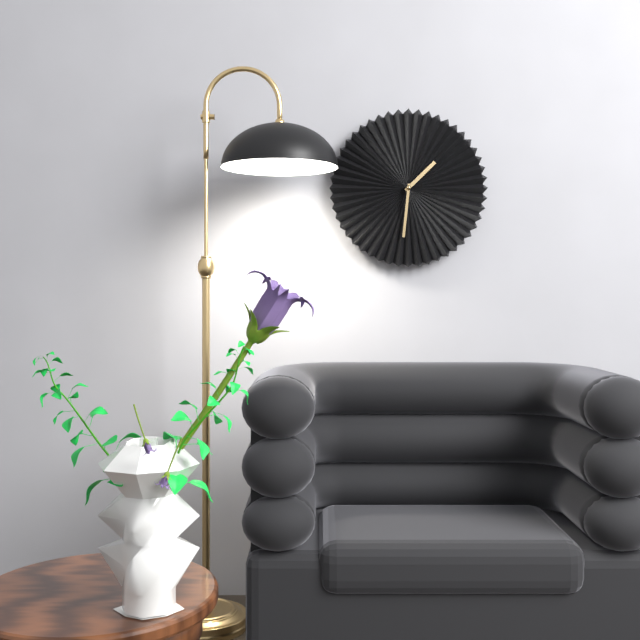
1:31
